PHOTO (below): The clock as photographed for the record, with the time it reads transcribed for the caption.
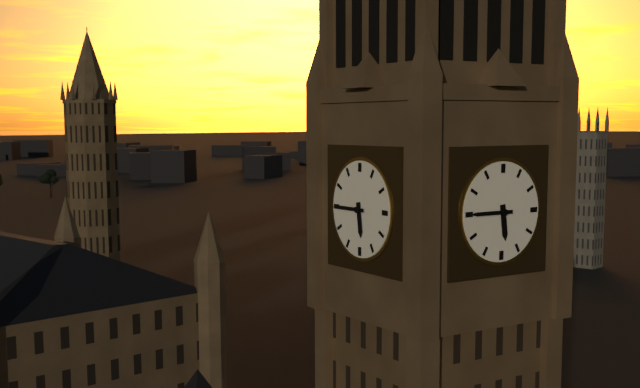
5:45
